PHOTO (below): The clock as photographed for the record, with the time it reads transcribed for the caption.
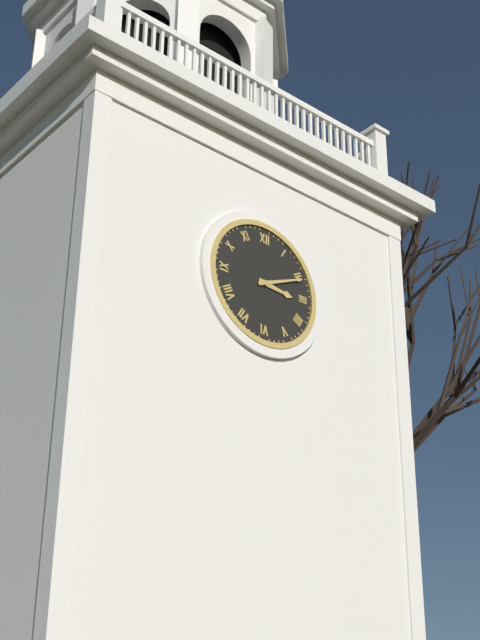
3:11
